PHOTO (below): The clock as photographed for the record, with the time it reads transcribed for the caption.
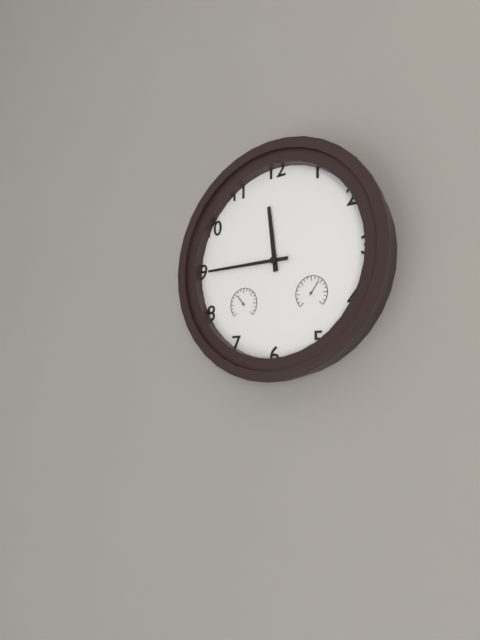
11:45
